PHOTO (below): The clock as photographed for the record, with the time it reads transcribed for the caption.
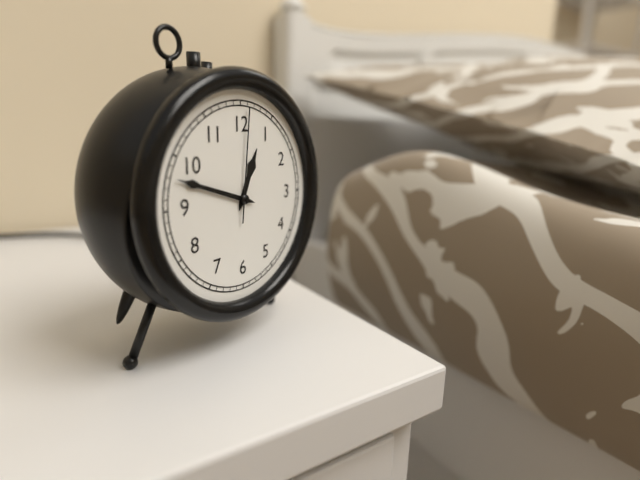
12:48:01
